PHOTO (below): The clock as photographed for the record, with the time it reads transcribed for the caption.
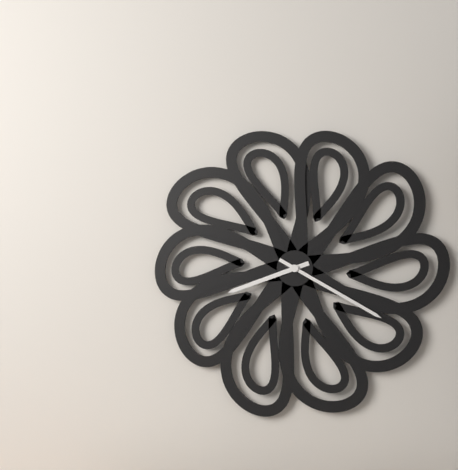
8:20
